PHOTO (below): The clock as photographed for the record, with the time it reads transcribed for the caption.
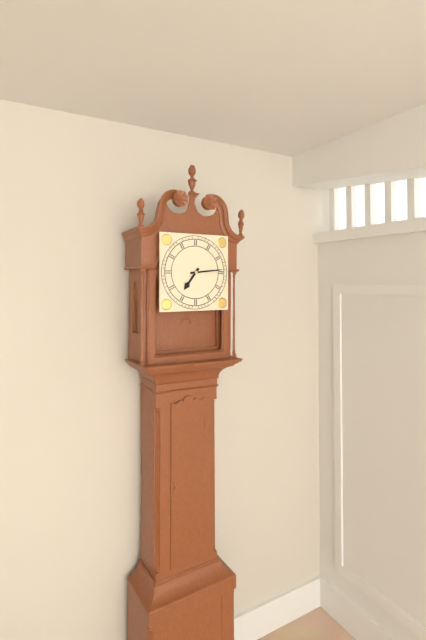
7:14
